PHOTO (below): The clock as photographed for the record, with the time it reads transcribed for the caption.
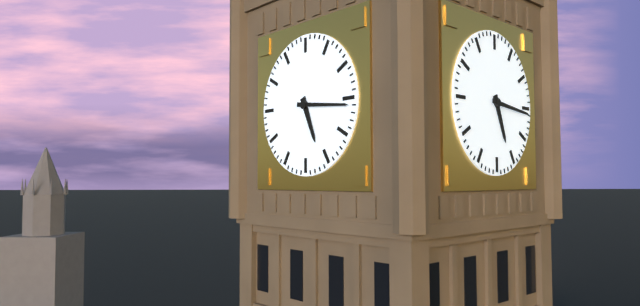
5:16
